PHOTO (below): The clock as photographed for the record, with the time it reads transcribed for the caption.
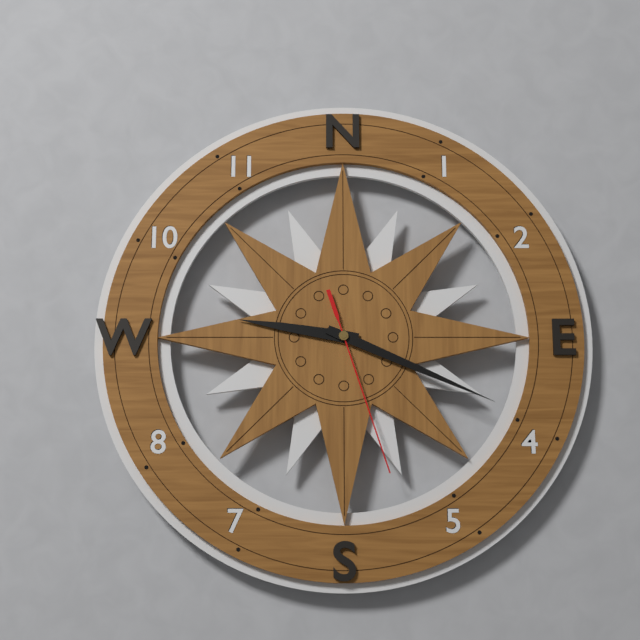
9:19:27
